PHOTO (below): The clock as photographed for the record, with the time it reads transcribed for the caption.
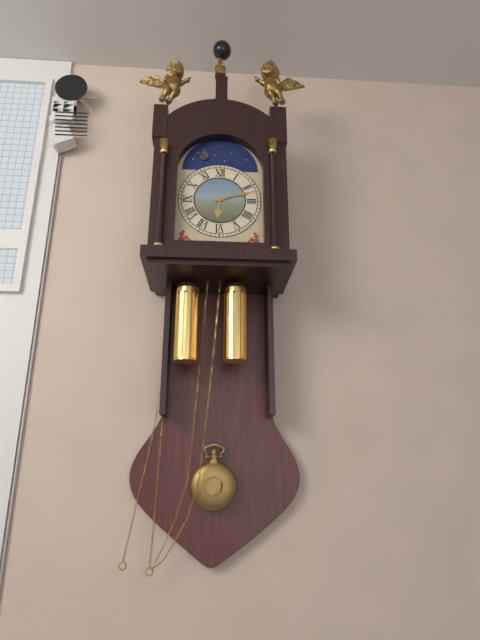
6:12
